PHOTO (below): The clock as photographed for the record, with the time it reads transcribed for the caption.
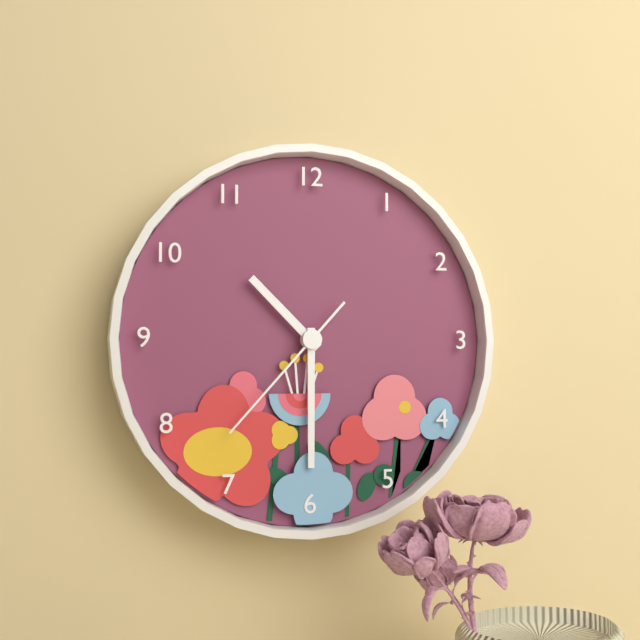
10:30:37
